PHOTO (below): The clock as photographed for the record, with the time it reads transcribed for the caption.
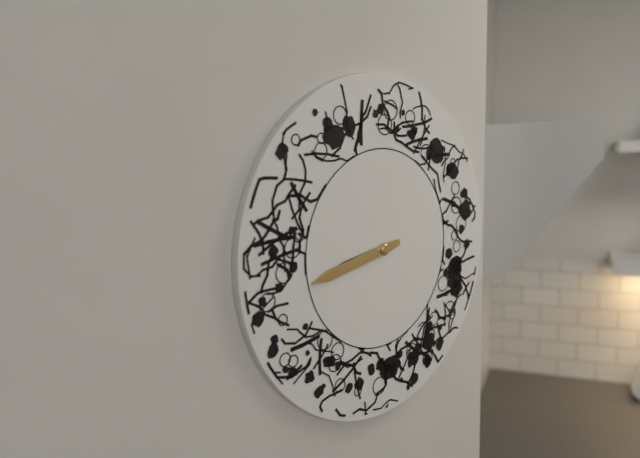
8:43
